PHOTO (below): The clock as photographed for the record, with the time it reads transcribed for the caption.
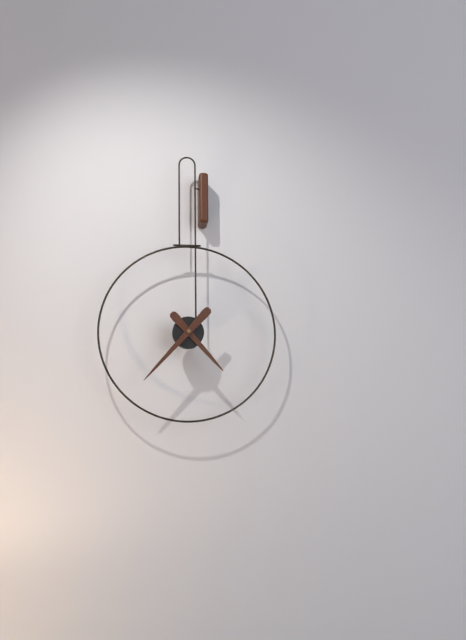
4:37
